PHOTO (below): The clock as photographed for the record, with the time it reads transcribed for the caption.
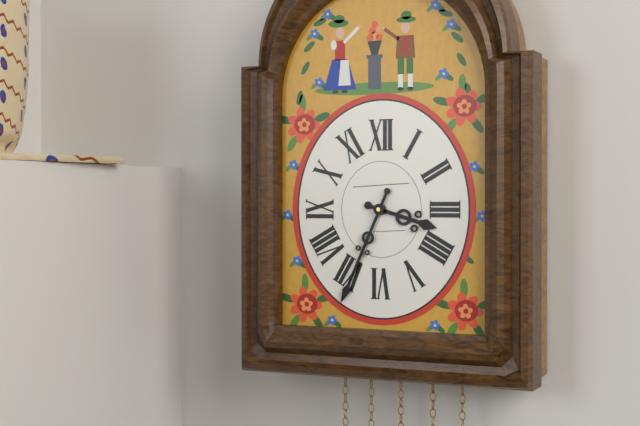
3:34
